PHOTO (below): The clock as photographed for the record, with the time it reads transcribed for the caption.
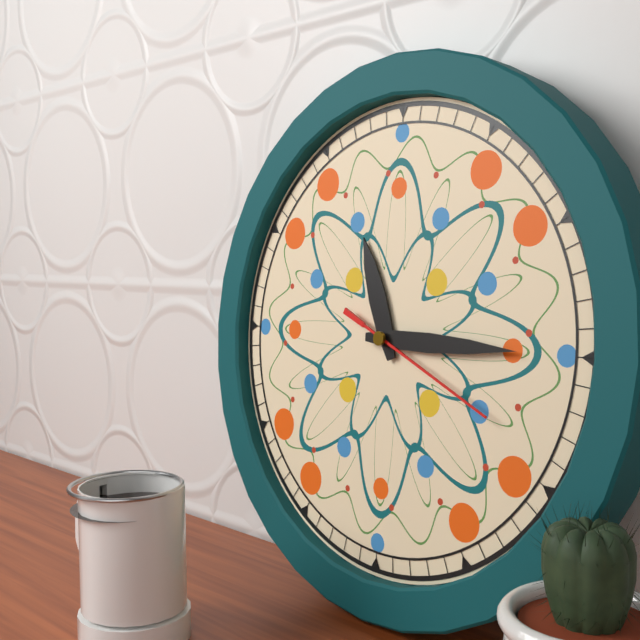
11:15:19
